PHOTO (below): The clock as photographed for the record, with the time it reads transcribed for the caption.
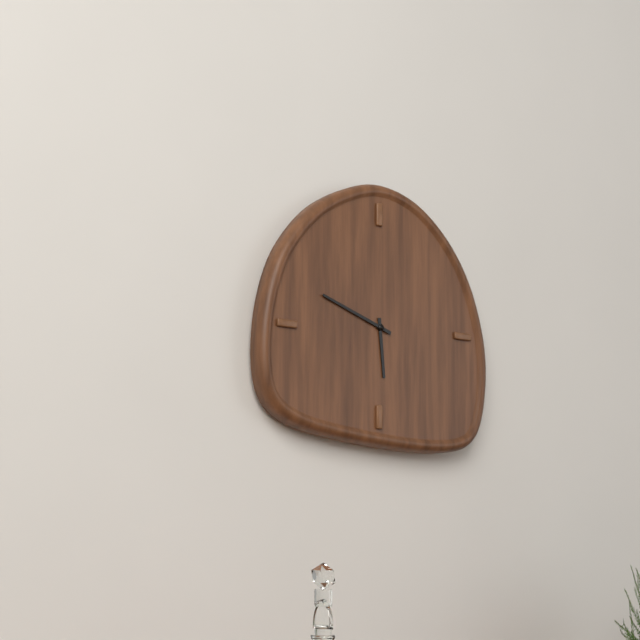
5:48
